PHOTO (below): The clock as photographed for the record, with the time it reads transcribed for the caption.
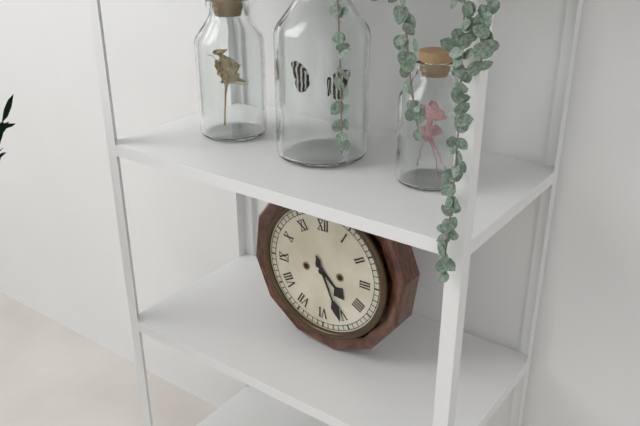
4:26
